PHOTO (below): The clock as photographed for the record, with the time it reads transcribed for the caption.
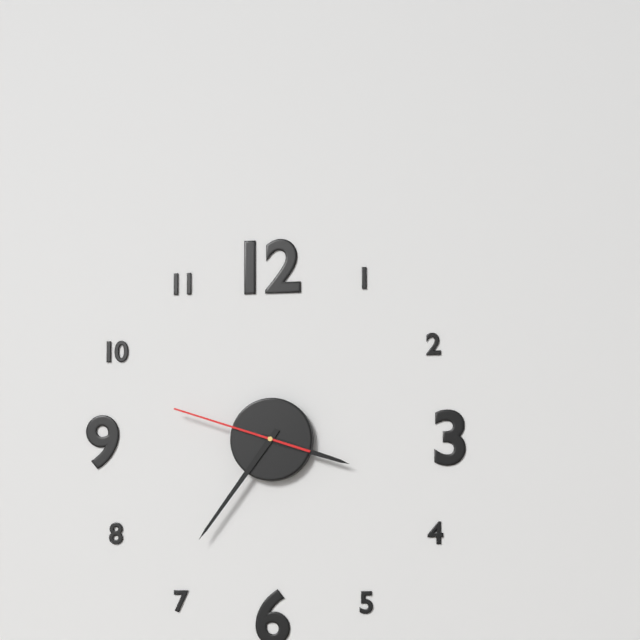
3:36:48
